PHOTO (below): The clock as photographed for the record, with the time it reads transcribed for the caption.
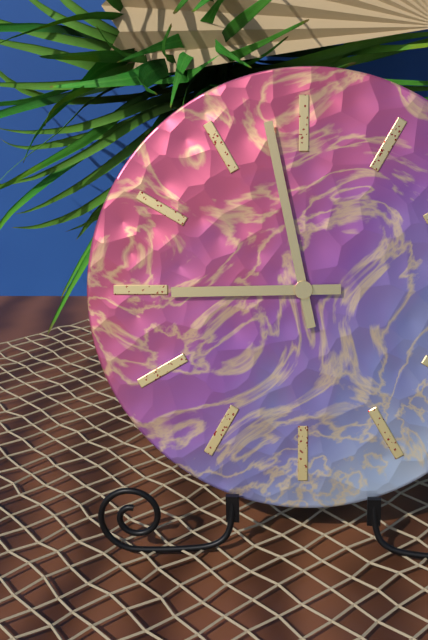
8:58
